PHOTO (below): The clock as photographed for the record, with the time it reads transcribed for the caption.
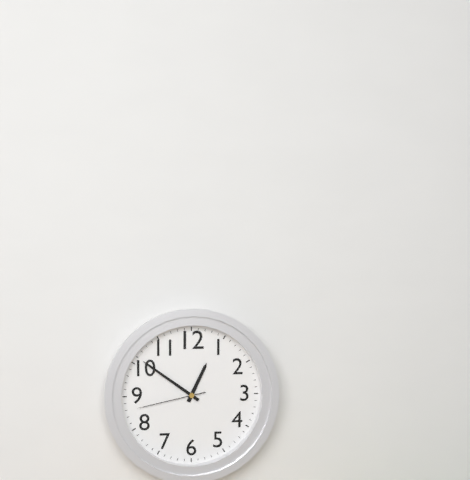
12:51:43
